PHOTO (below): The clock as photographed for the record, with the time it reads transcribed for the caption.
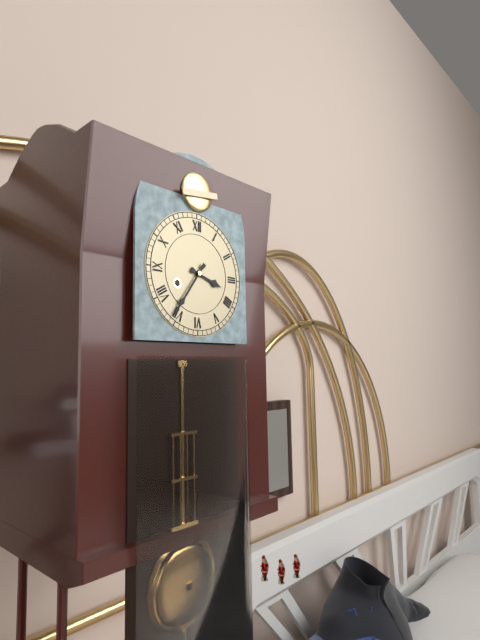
3:36
